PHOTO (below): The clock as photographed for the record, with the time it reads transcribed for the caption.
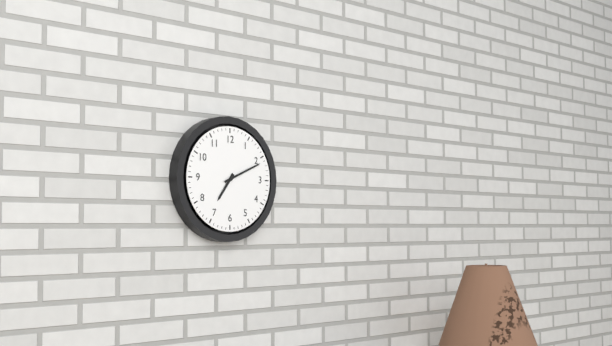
7:11
